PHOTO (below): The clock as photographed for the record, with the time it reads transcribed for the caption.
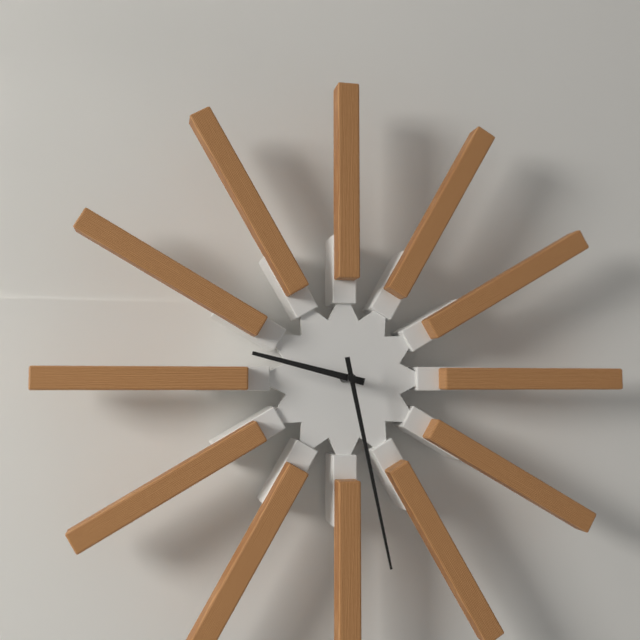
9:28
